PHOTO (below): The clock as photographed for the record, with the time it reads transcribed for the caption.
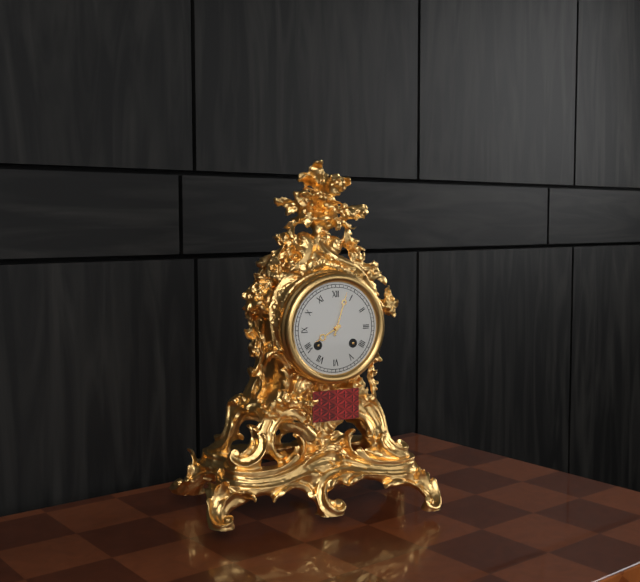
8:03
